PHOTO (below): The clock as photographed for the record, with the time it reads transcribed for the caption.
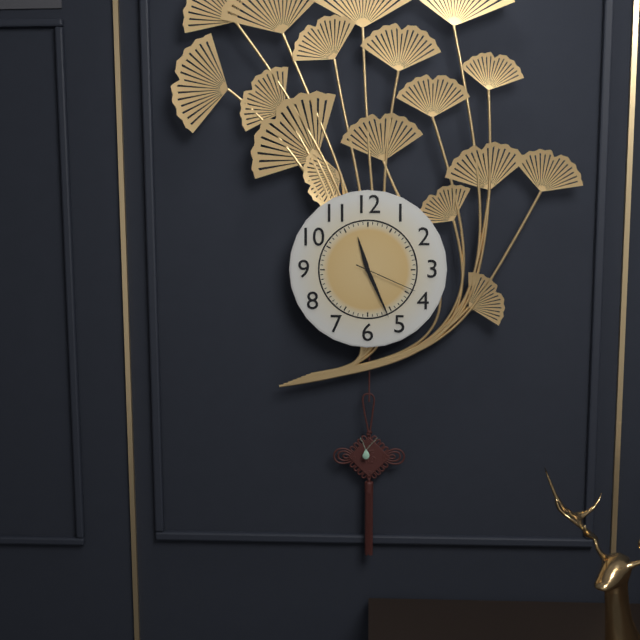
11:26:19
